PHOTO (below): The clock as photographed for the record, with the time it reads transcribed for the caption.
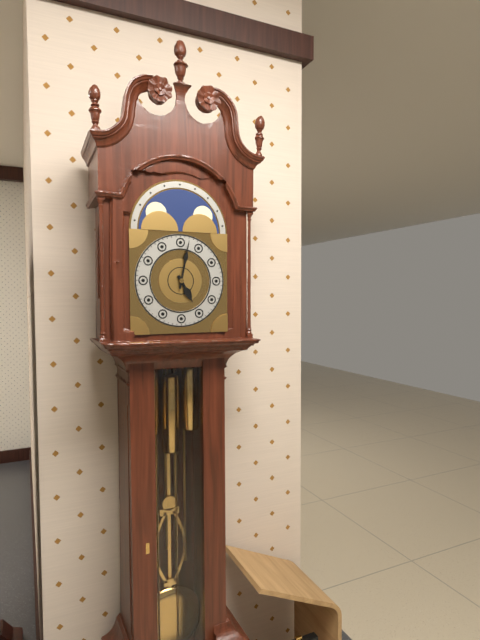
5:02
